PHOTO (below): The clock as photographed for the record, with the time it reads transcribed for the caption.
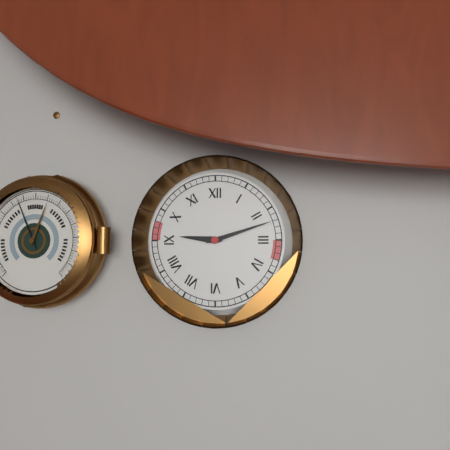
9:12
